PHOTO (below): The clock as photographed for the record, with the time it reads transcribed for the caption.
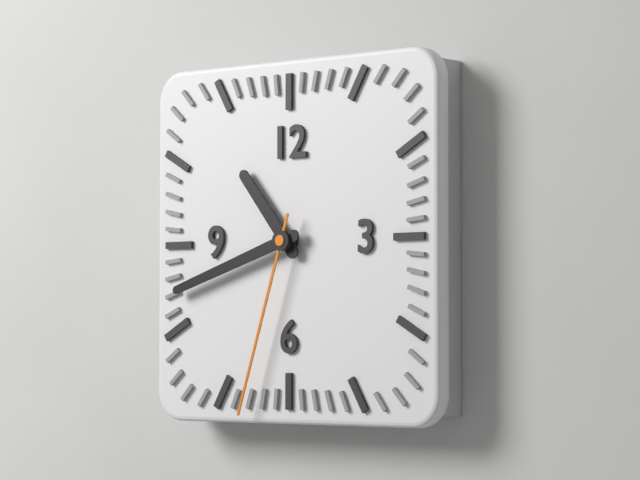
10:42:33
